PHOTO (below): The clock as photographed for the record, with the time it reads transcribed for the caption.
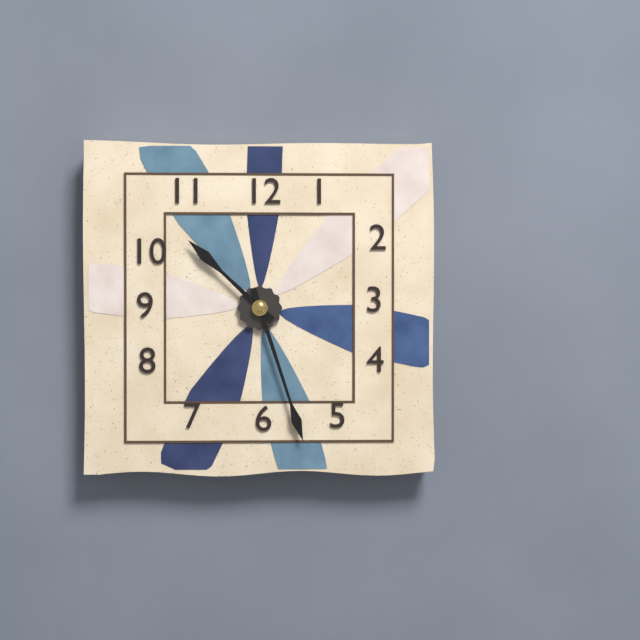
10:27
